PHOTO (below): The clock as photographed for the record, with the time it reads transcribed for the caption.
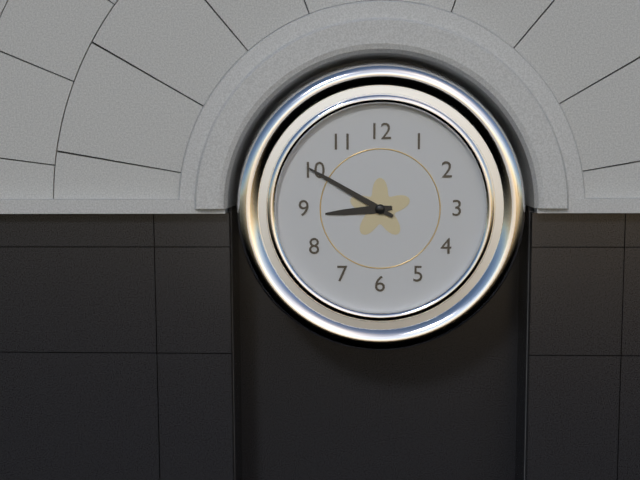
8:50
